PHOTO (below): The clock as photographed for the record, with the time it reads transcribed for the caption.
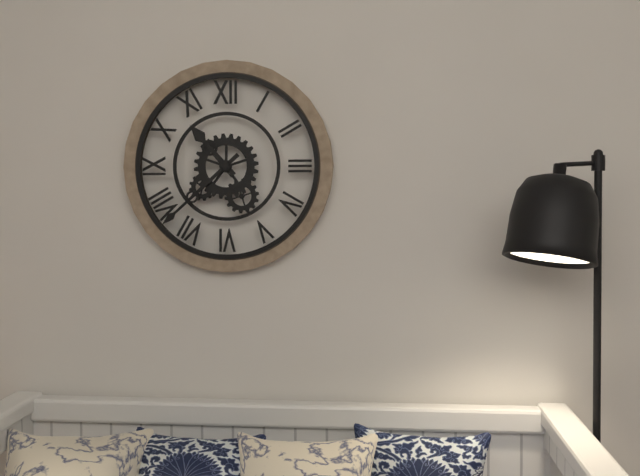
10:38
